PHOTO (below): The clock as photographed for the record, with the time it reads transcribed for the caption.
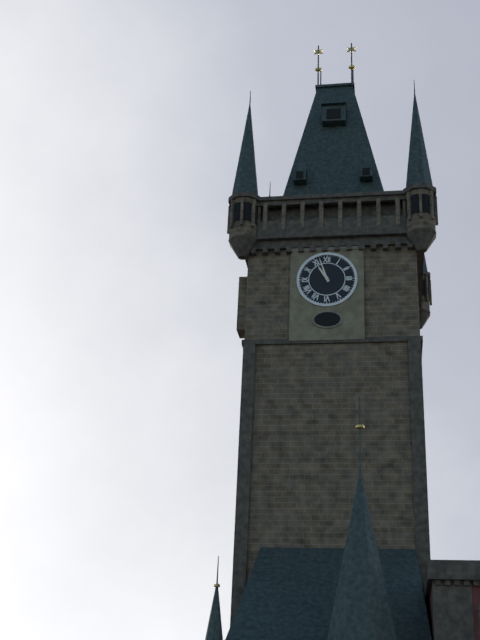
10:57
